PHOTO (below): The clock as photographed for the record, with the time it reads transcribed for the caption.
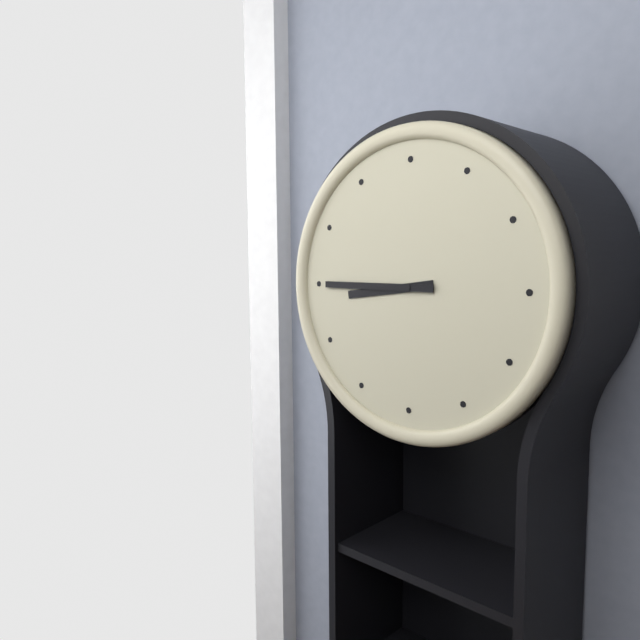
8:45
